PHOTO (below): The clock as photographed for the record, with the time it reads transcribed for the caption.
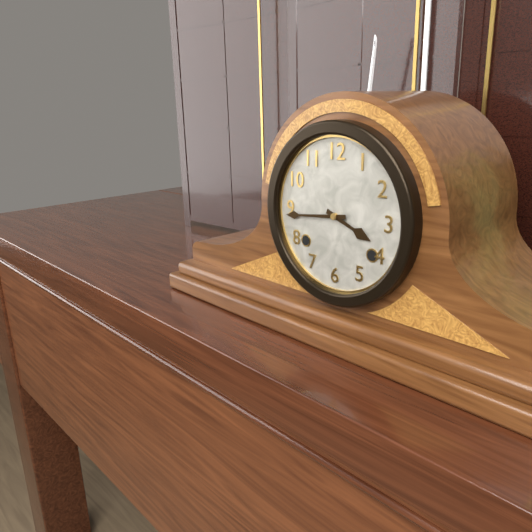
3:44
